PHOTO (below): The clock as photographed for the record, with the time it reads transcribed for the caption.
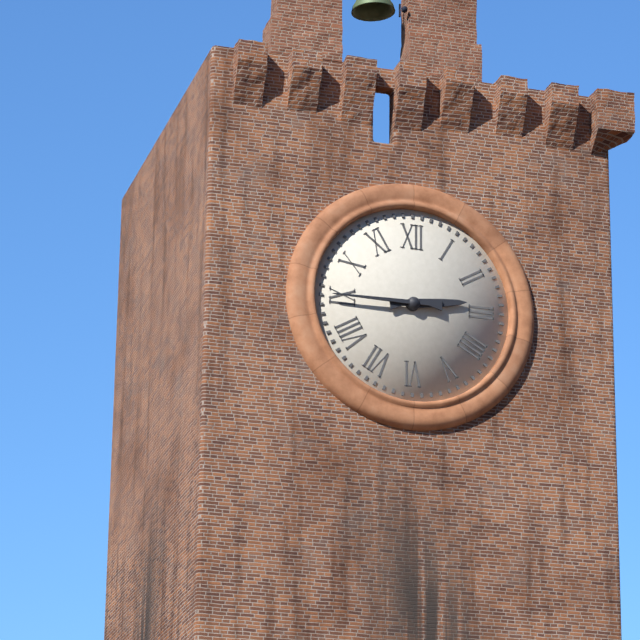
2:45
